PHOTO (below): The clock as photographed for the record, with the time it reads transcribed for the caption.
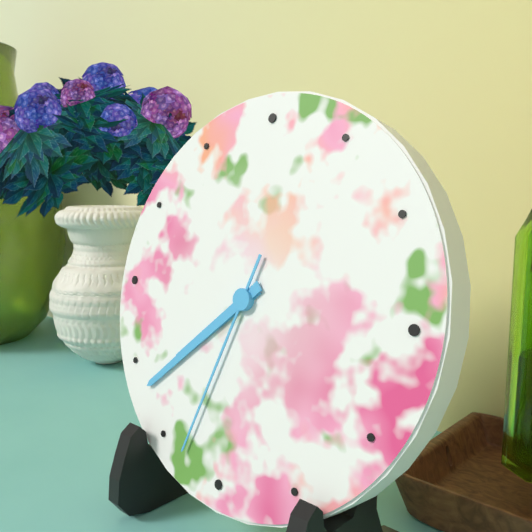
7:38:33
